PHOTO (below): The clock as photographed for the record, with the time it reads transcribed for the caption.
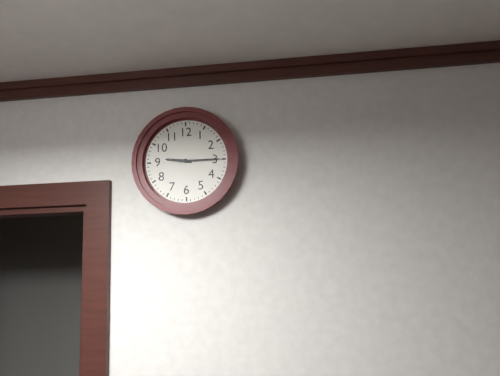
9:15
